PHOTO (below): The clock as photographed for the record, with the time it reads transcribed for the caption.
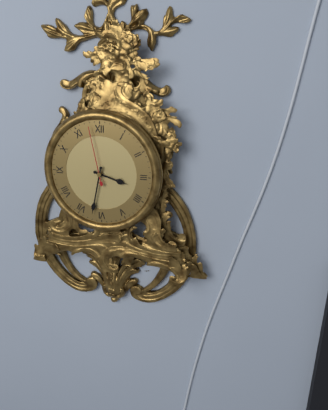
3:32:58
